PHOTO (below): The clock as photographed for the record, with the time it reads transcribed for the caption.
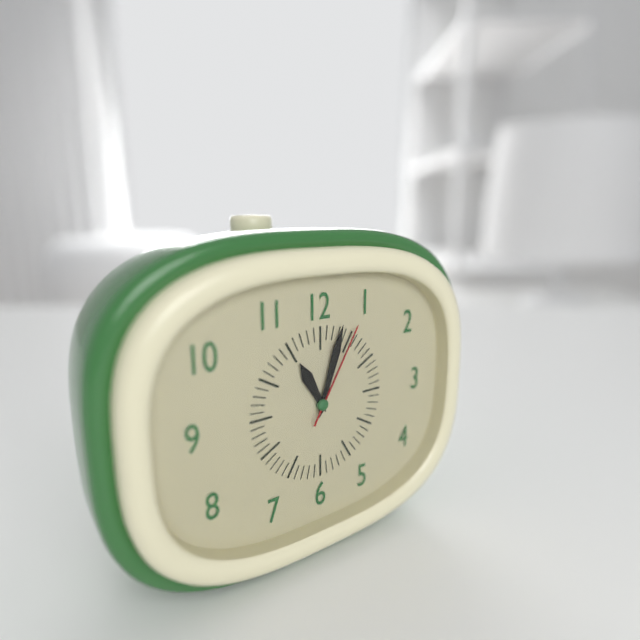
11:03:05
